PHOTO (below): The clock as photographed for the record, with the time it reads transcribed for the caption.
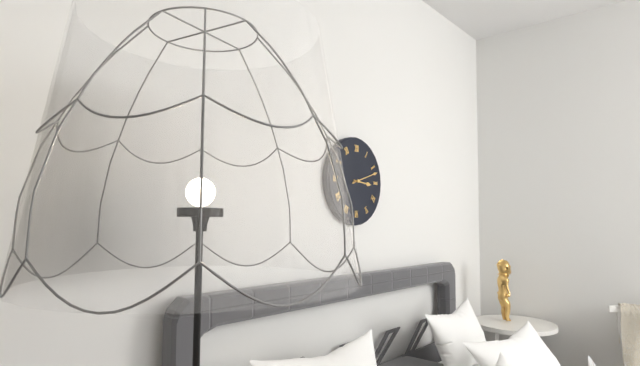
3:12
